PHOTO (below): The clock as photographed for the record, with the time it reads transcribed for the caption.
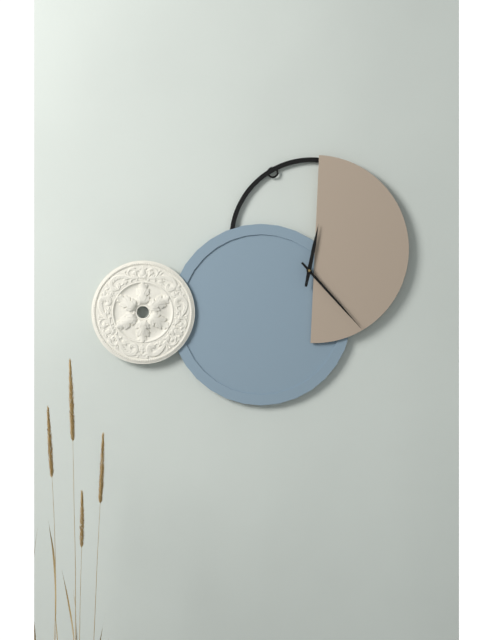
12:23
